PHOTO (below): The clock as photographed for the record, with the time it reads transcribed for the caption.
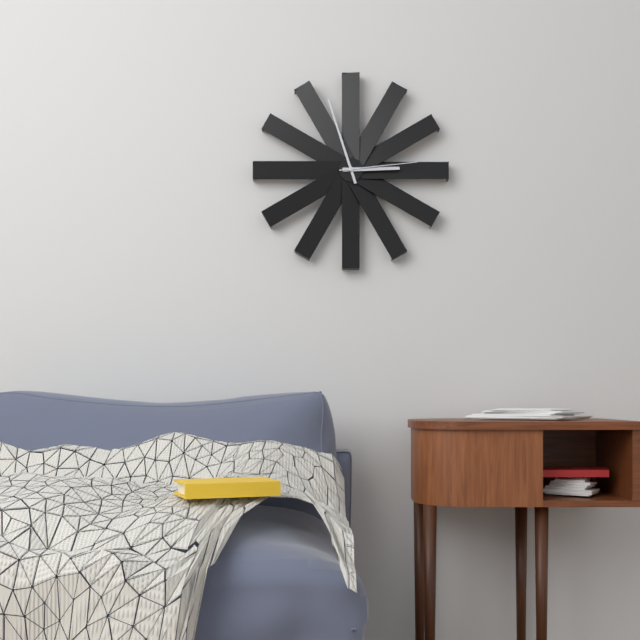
2:57:14
